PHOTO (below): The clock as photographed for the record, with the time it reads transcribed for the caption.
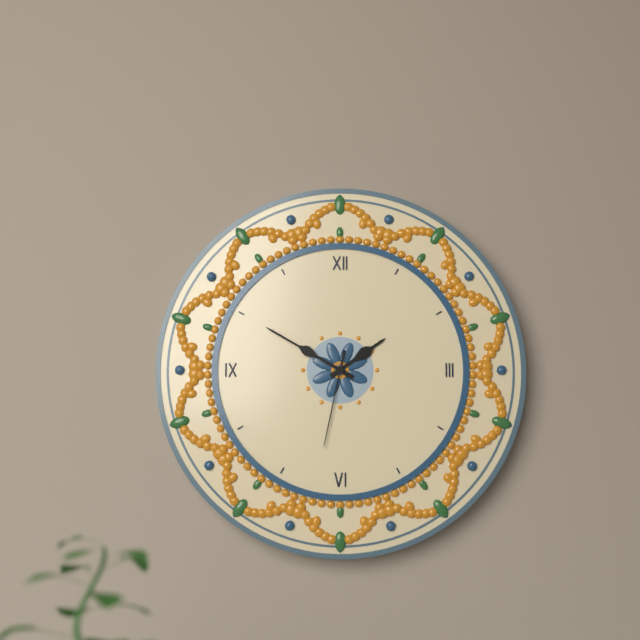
1:50:32
